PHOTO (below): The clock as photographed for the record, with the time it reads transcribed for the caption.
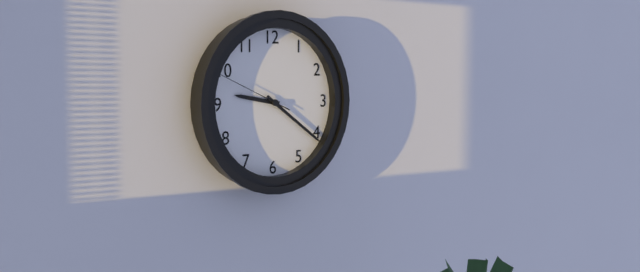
9:21:49
